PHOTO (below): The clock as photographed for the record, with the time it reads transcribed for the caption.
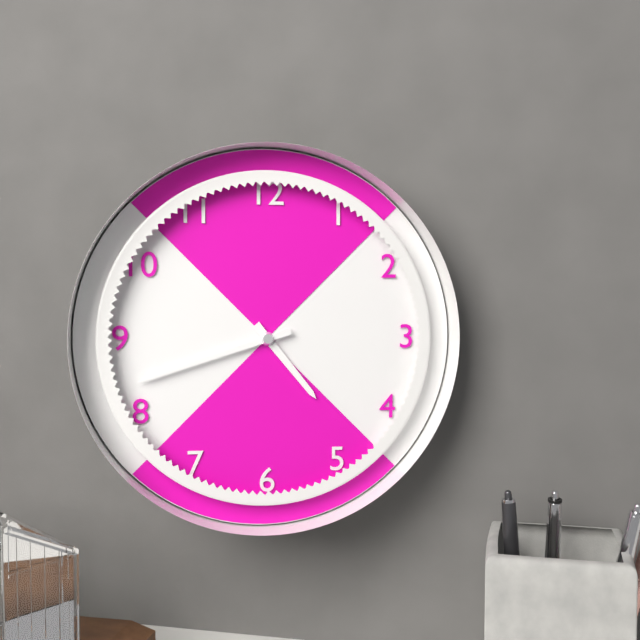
4:42
